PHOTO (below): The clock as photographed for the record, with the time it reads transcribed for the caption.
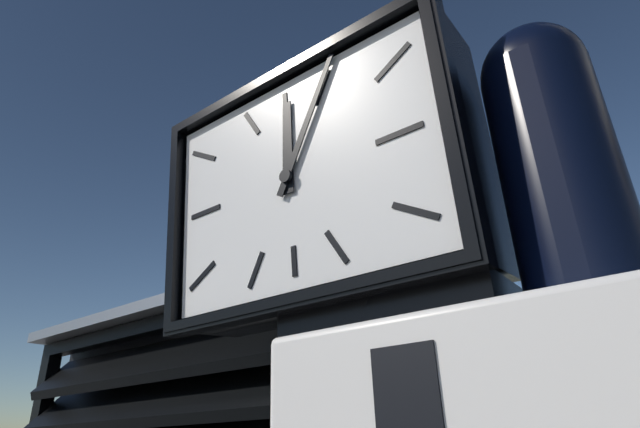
12:05
